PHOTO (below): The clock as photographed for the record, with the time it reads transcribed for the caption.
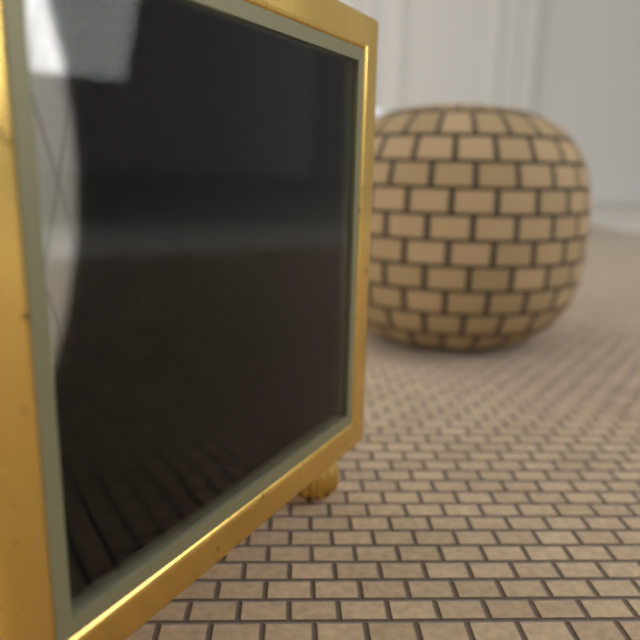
10:02
